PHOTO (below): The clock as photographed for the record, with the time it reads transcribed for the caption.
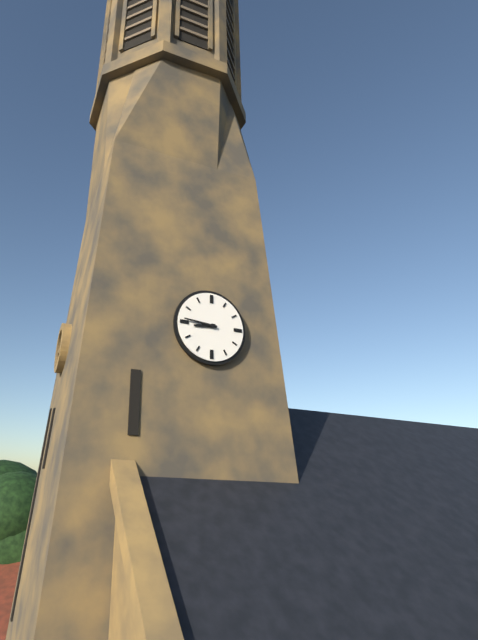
8:46
